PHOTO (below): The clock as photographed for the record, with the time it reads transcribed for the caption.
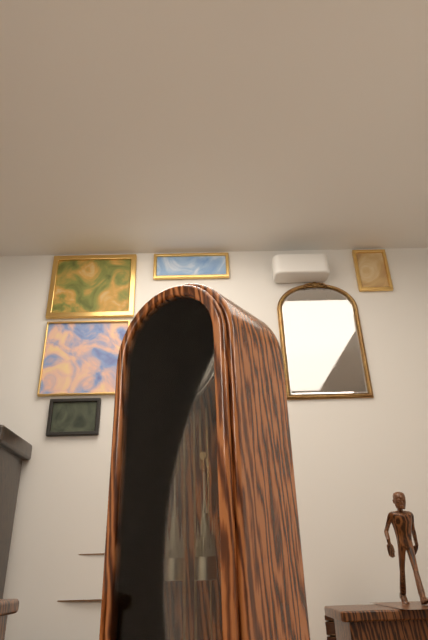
11:01
